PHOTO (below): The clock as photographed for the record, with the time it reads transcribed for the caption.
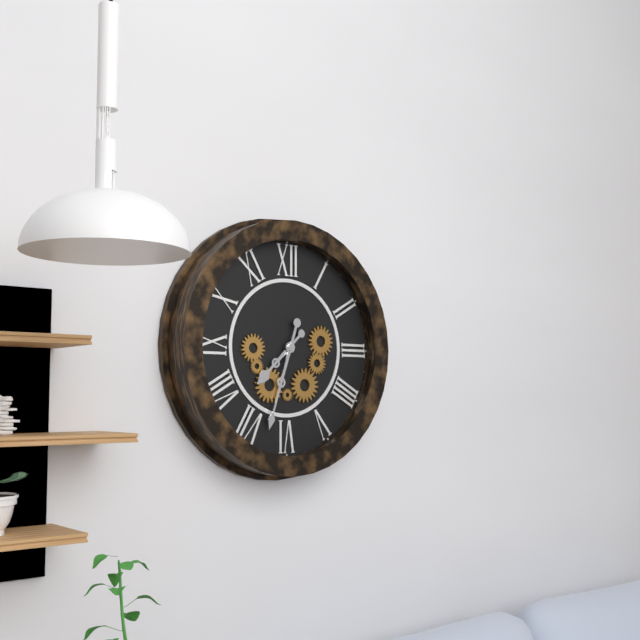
7:33
